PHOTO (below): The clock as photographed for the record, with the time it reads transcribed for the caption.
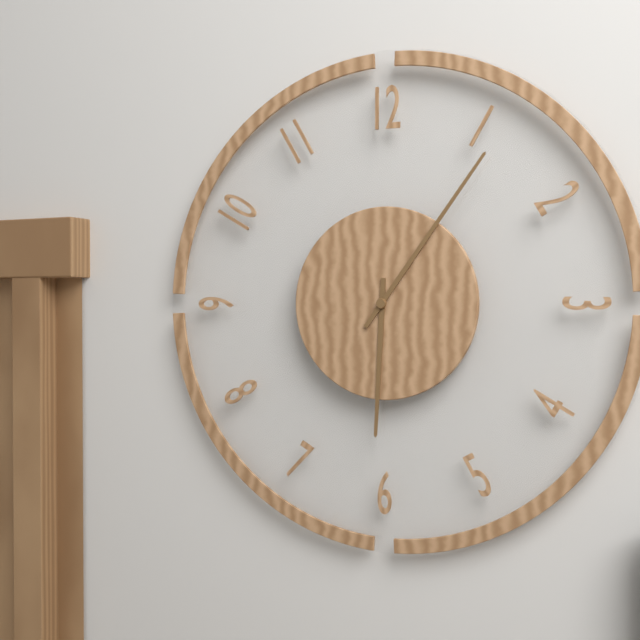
6:06
